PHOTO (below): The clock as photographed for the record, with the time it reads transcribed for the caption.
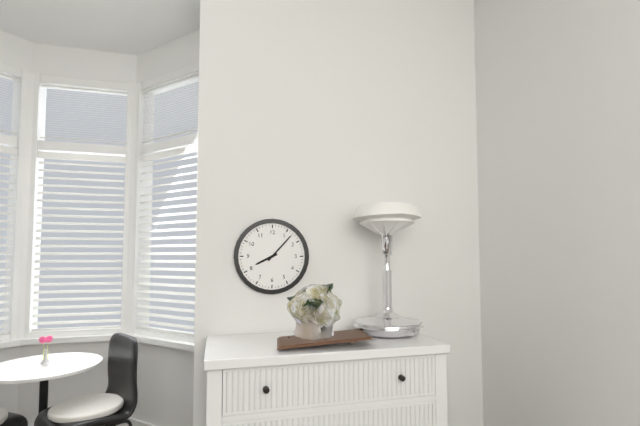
8:07
